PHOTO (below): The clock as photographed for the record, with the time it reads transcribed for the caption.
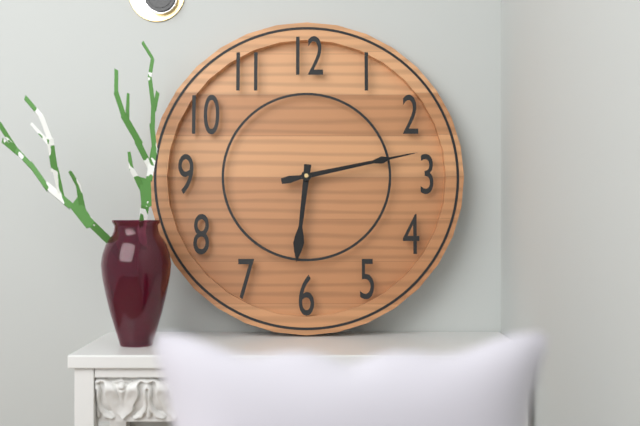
6:13
